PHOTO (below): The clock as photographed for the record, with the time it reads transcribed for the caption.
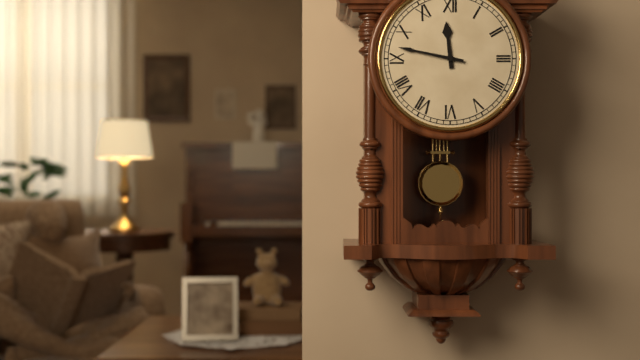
11:47
